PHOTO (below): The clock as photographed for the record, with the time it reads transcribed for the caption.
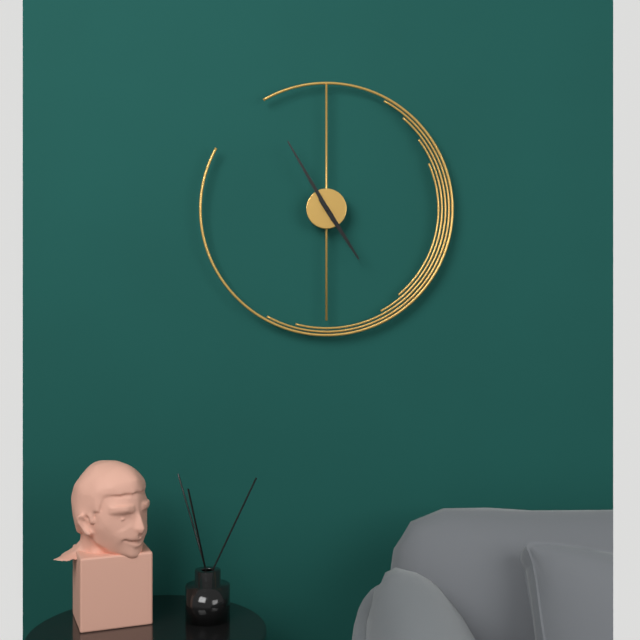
4:55
